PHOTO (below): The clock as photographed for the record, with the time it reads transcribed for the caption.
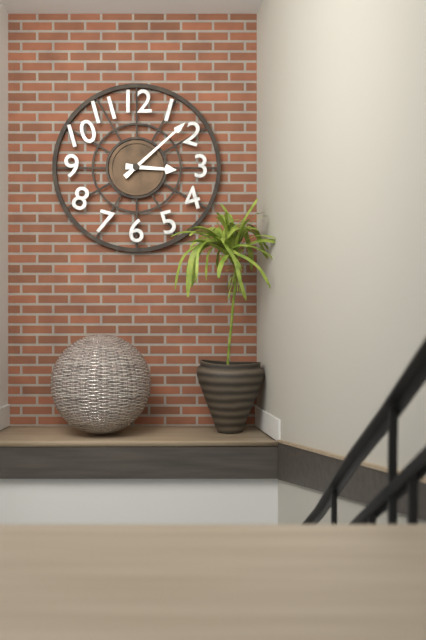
3:08
